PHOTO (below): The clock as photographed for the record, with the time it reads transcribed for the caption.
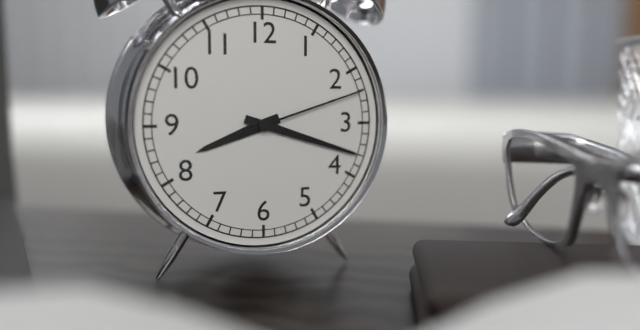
8:18:12
